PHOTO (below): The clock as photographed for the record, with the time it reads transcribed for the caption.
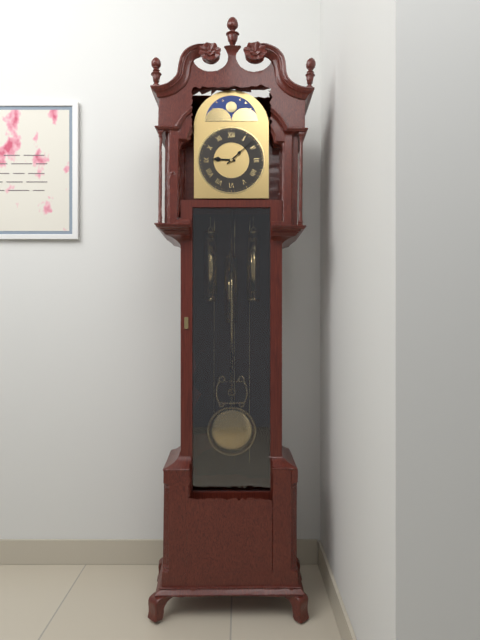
9:08
